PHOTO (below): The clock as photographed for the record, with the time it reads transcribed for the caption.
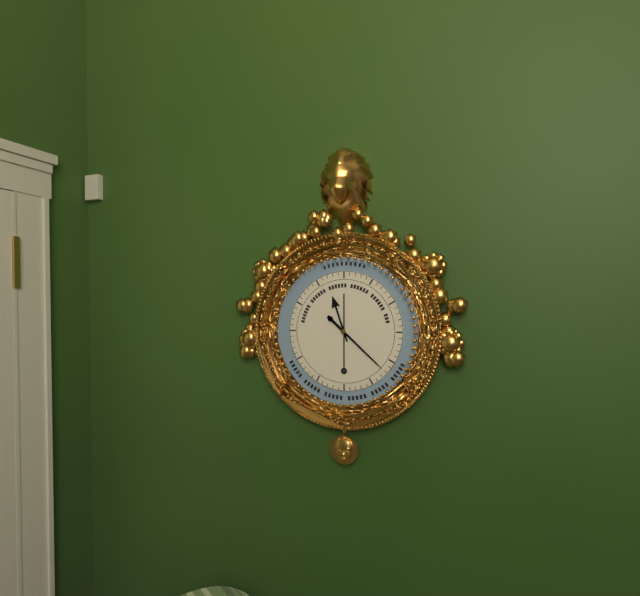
11:22
